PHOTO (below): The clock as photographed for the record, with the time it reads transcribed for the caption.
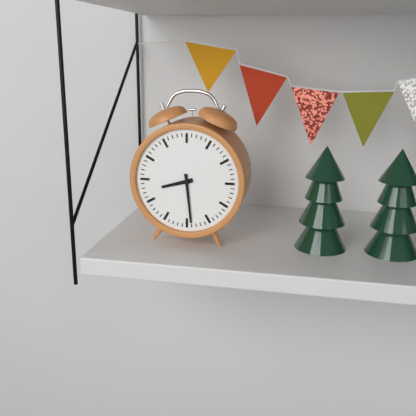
8:29
